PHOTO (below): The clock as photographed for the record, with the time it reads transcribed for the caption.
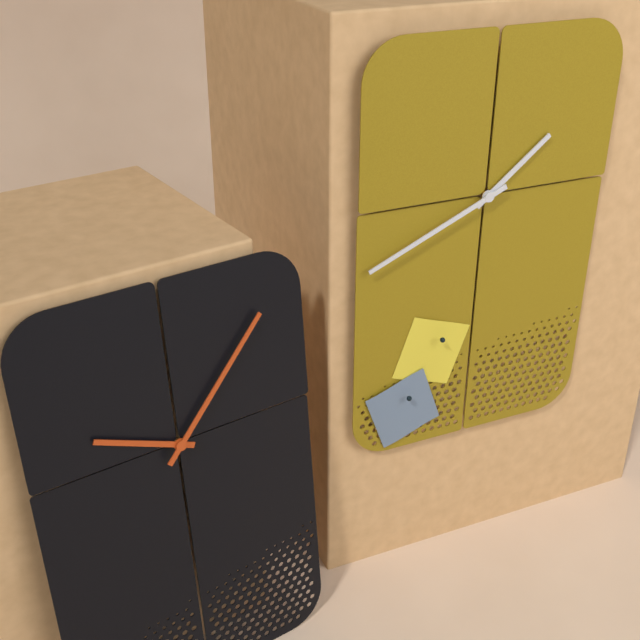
1:41
